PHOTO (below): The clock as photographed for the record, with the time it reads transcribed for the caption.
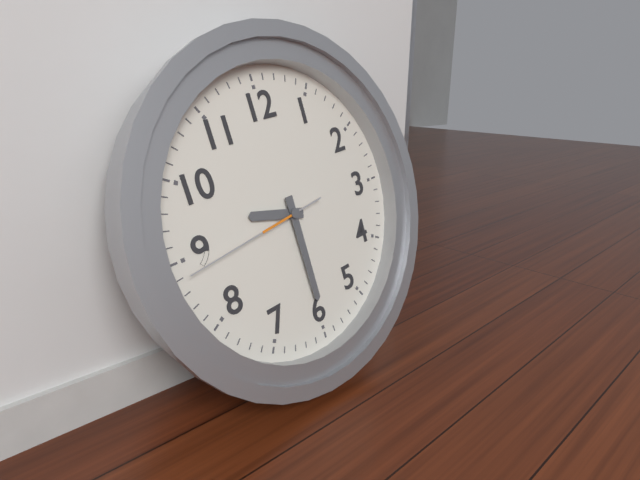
9:30:44
